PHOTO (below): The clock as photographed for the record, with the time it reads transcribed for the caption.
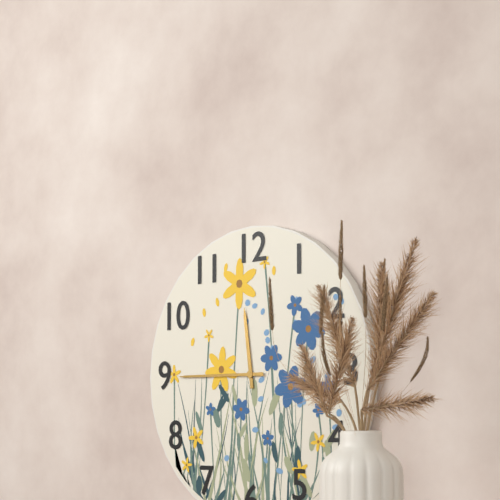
11:45
